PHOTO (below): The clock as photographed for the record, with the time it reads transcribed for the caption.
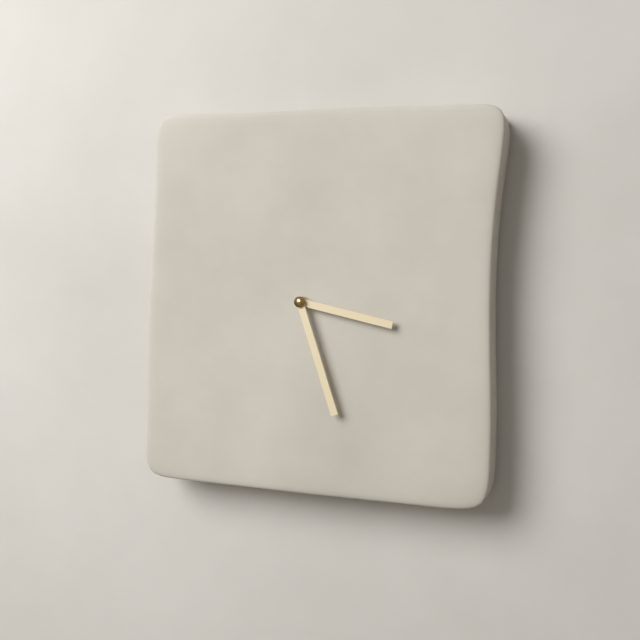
3:27
